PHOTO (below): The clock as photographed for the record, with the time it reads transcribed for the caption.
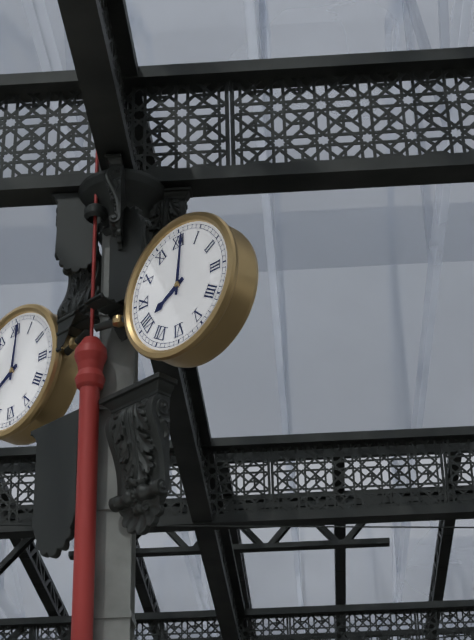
8:01
